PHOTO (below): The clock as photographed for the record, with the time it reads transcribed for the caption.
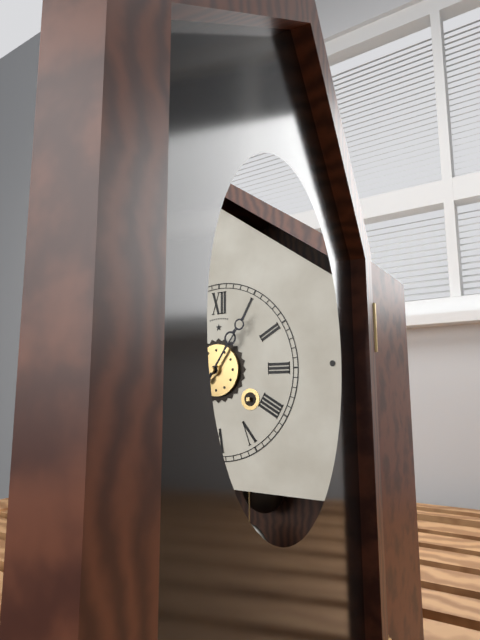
1:06
